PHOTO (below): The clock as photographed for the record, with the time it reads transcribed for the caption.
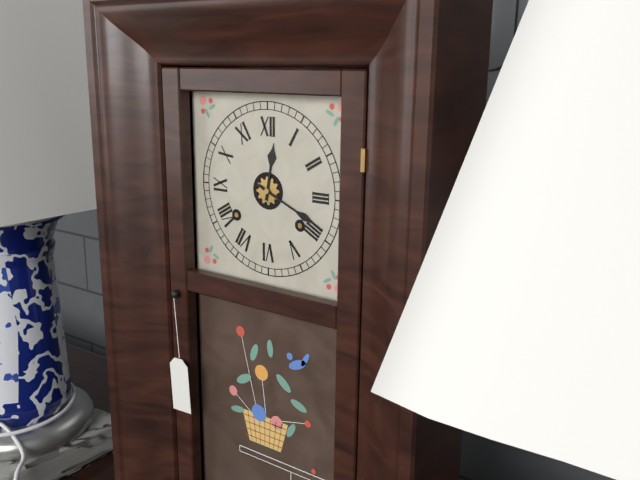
12:19
